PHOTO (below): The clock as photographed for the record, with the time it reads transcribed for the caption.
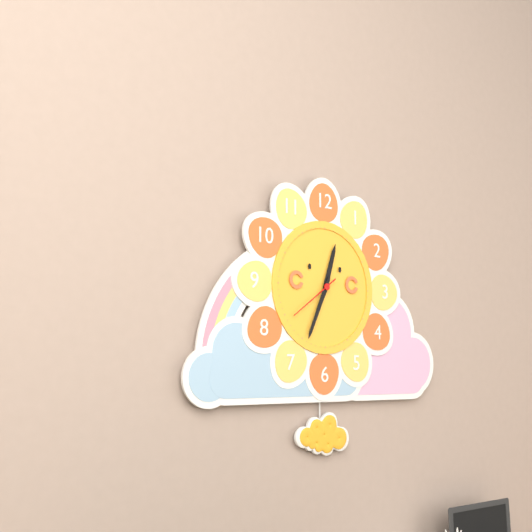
12:34
